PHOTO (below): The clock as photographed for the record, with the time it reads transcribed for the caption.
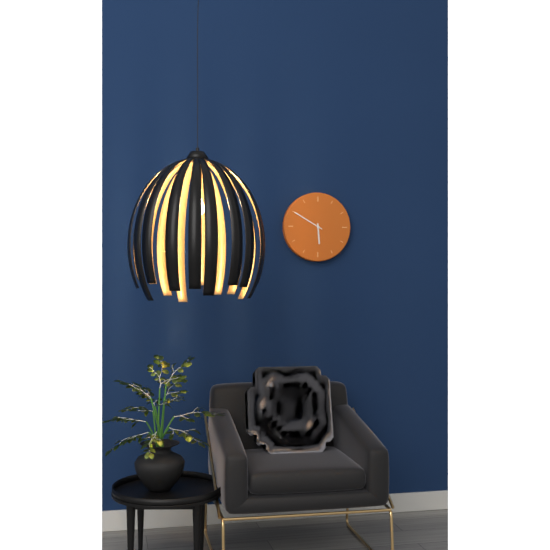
5:50
